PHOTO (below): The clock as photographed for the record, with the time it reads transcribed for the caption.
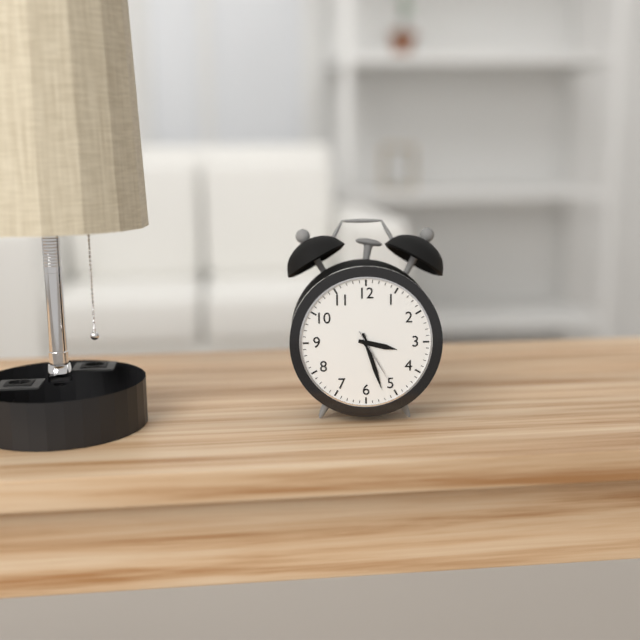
3:27:25
